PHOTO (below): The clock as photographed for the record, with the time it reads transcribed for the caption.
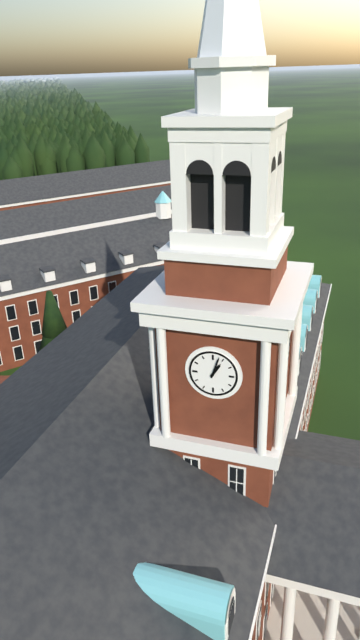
1:03
